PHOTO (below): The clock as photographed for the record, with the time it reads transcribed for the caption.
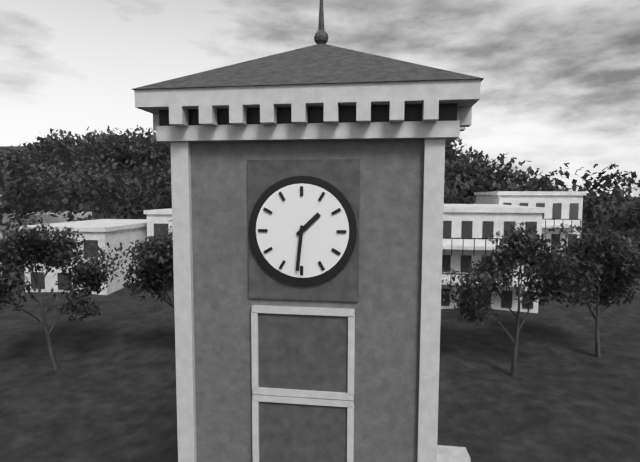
1:31
